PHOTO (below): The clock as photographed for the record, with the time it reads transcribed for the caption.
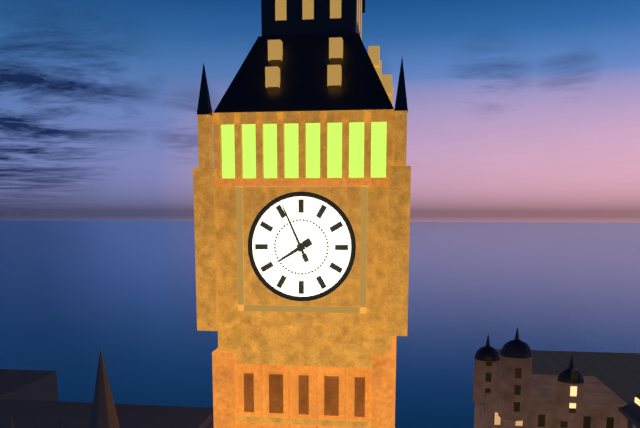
7:56
